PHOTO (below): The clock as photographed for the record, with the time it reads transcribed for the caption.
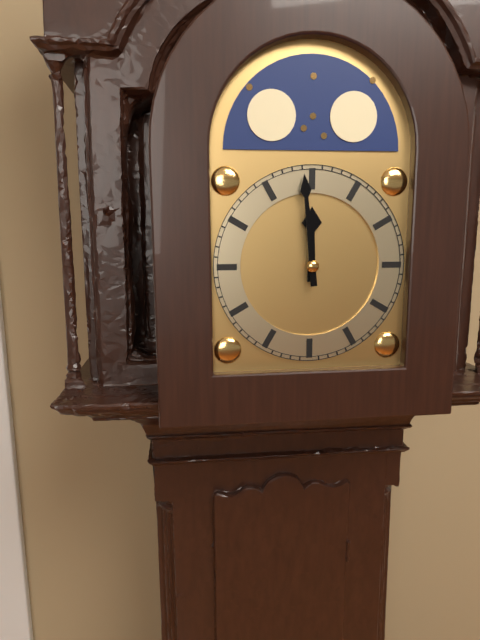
11:59
